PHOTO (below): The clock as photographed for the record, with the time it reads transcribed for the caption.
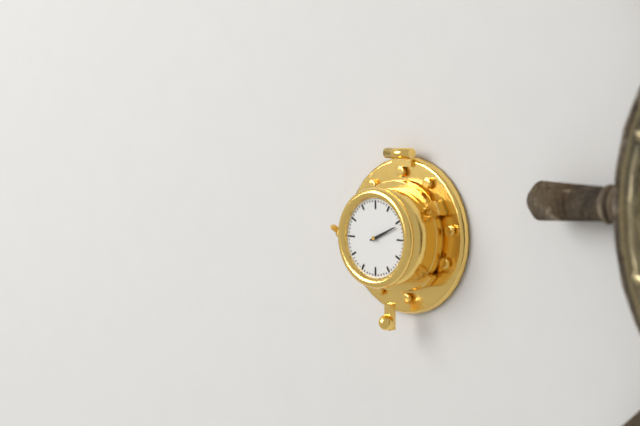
2:11
